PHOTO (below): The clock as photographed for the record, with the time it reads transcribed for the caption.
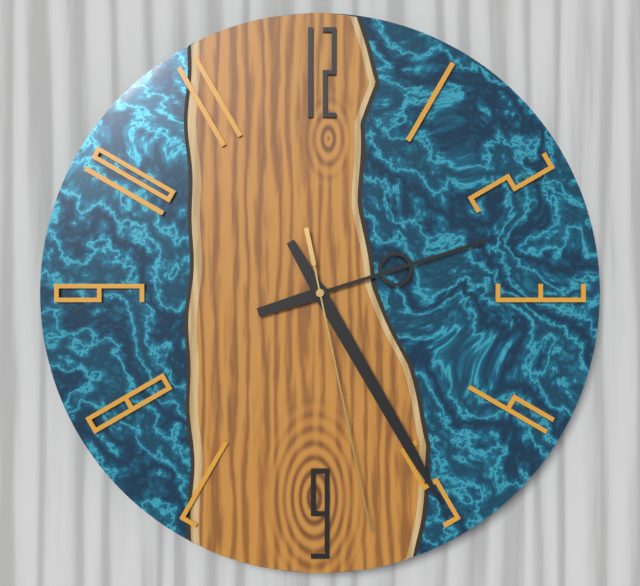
2:25:28
